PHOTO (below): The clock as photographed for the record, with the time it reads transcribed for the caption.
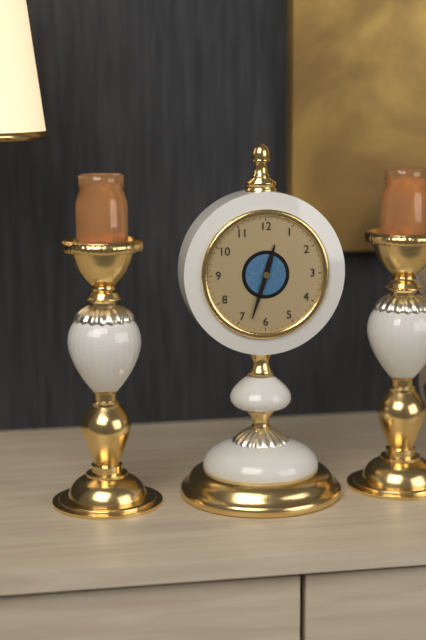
12:33
